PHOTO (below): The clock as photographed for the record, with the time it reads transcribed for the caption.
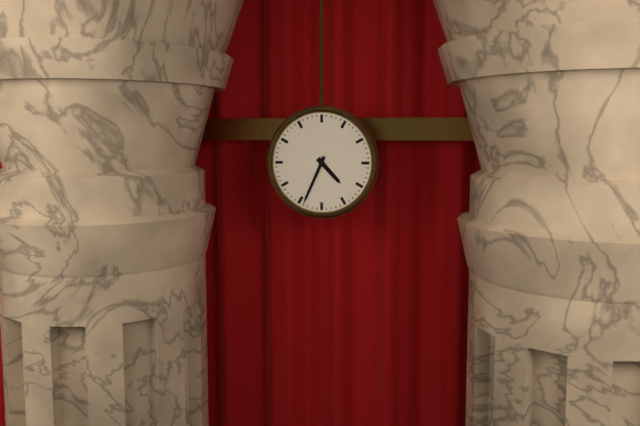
4:34
